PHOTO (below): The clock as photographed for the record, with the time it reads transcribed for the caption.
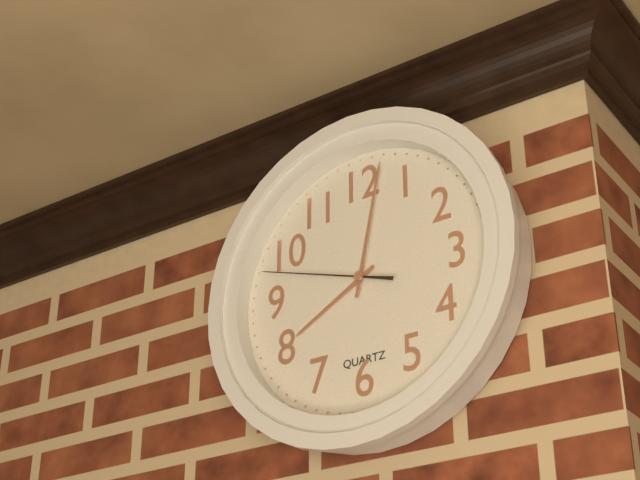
8:02:48
